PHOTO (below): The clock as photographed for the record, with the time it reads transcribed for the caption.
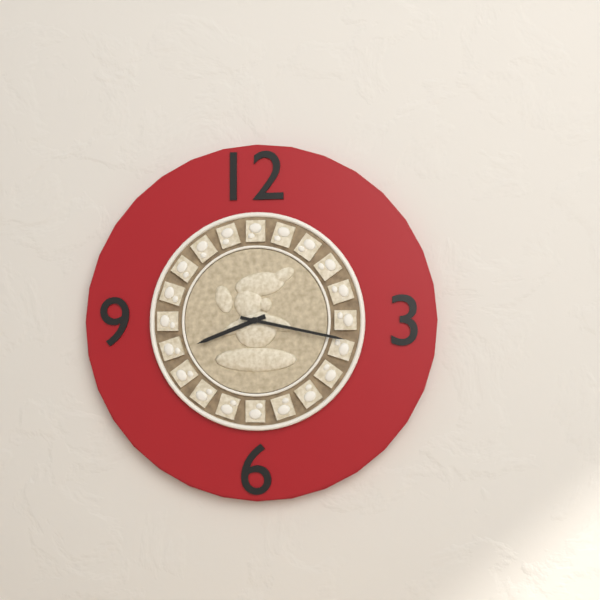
8:17
